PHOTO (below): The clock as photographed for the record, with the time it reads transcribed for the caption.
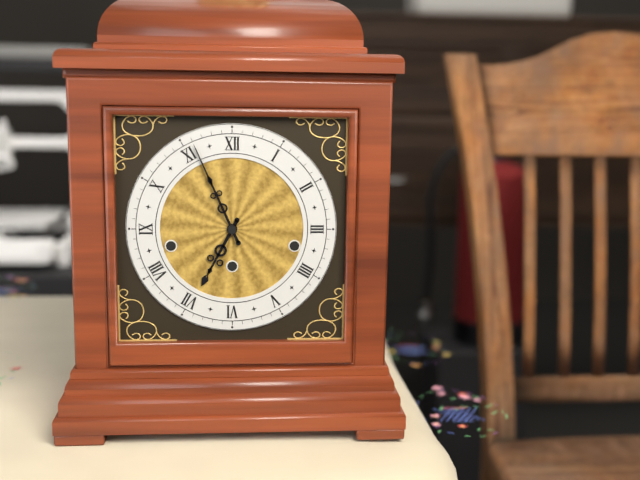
6:56
